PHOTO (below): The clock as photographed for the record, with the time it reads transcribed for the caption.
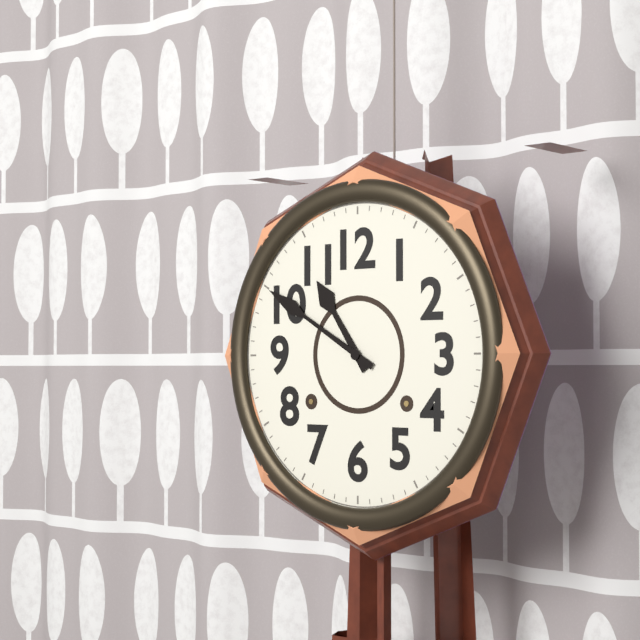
10:50
